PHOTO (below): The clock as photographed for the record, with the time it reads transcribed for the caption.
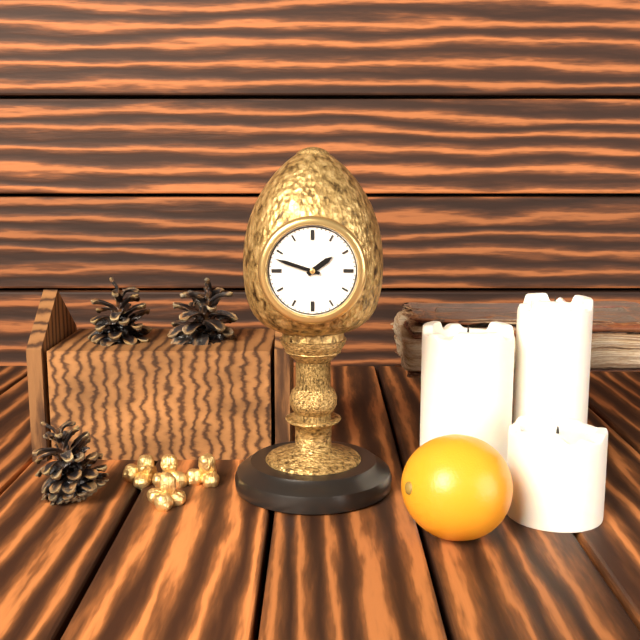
1:48
